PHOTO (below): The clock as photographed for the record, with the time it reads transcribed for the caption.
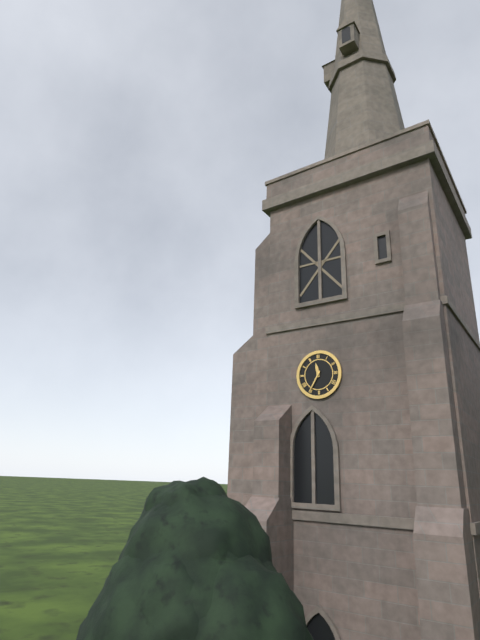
11:35
